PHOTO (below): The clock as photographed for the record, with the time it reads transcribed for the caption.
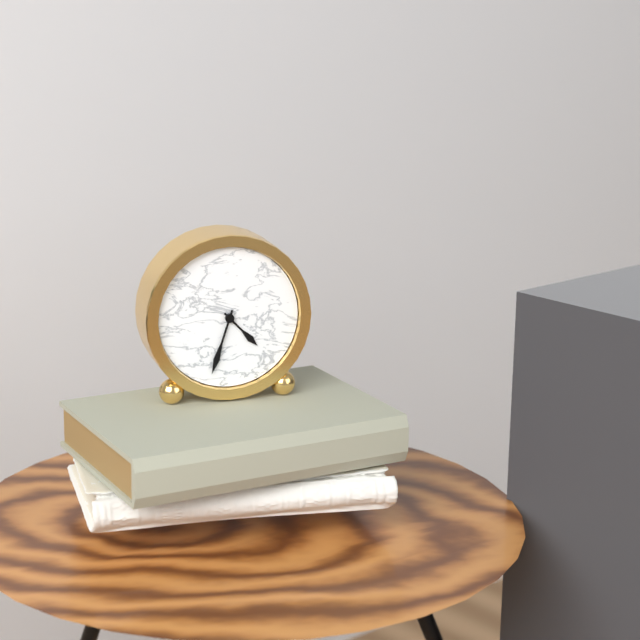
4:33
